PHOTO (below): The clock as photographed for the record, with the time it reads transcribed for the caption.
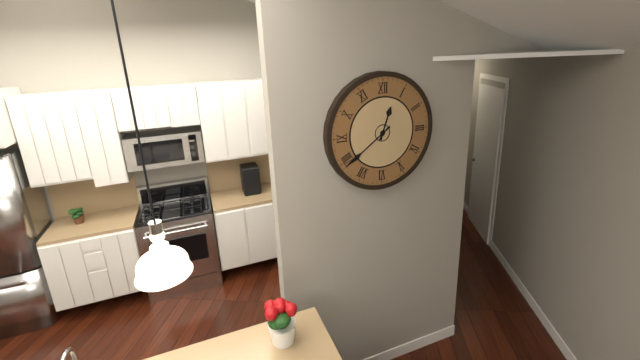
12:39
